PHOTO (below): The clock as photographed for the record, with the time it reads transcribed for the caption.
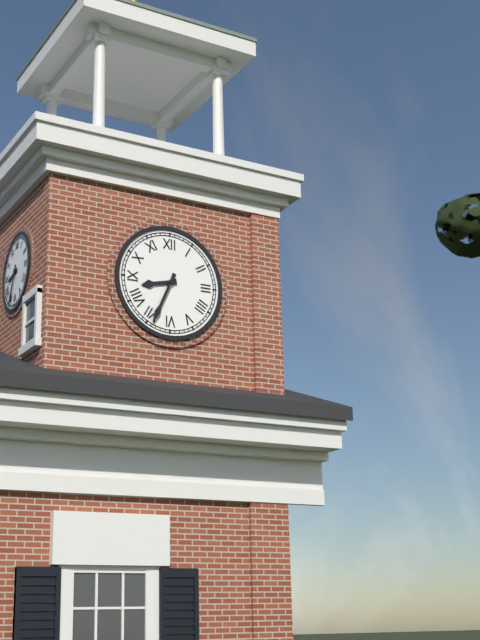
8:34
